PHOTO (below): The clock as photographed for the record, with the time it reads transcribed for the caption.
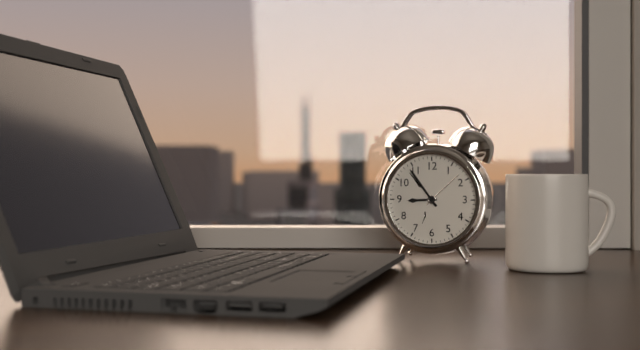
8:54
